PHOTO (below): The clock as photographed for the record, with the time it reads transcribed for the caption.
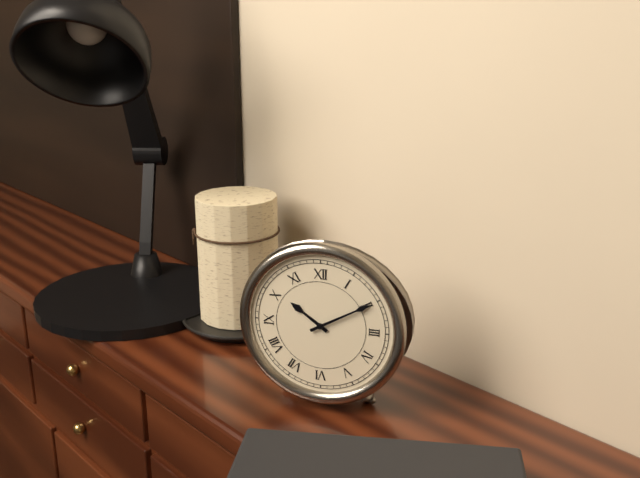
10:10
